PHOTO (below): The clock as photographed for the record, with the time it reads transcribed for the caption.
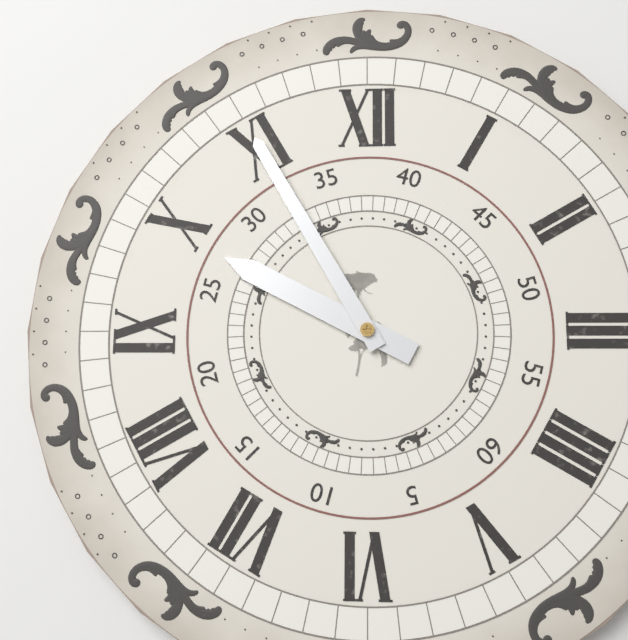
9:55
